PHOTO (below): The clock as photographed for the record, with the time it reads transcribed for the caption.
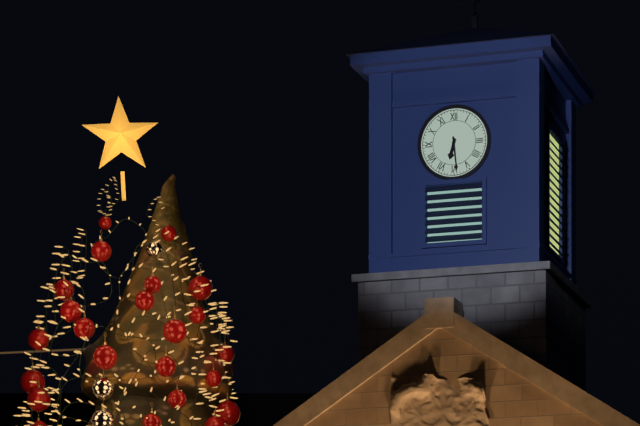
6:29
